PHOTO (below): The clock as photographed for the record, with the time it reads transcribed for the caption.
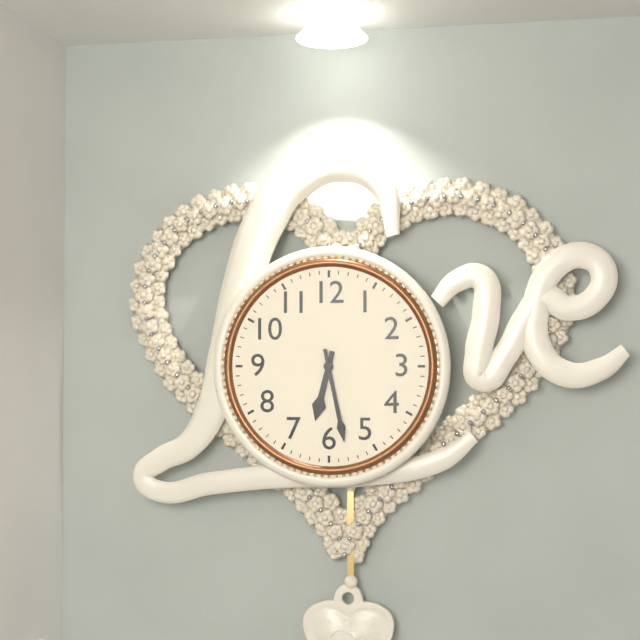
6:28
